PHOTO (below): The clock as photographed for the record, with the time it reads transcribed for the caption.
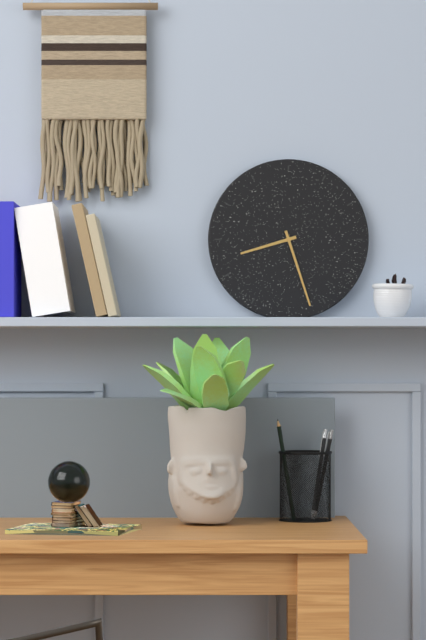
8:27
